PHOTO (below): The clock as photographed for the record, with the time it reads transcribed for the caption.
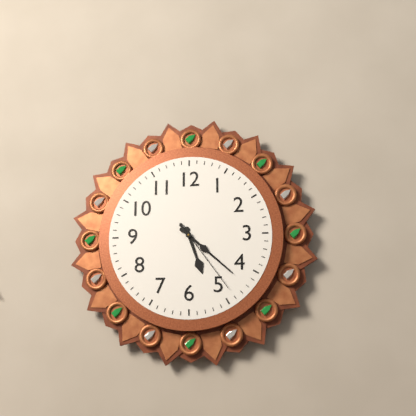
5:22:24
